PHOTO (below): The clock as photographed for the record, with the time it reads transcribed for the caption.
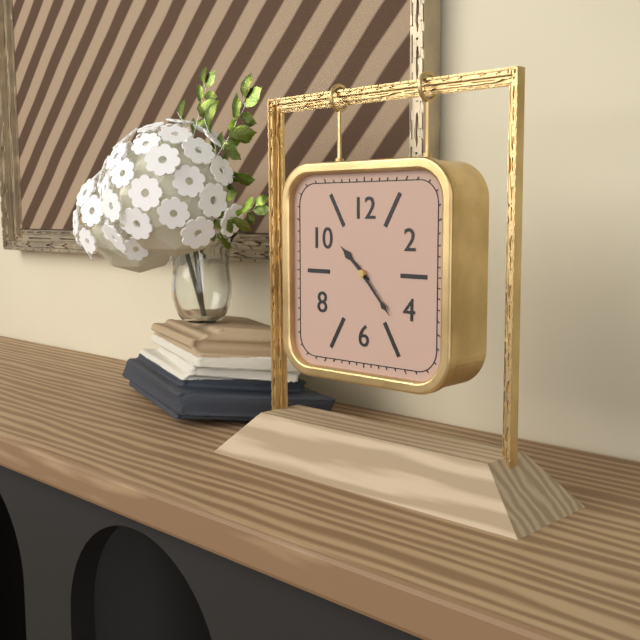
10:23
